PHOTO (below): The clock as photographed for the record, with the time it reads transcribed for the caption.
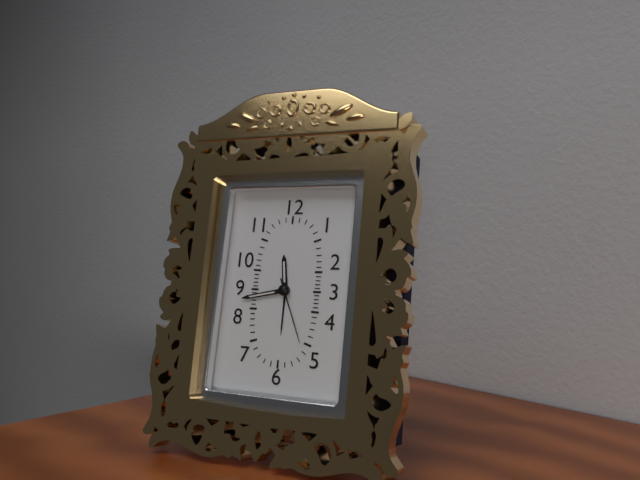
11:43:26
